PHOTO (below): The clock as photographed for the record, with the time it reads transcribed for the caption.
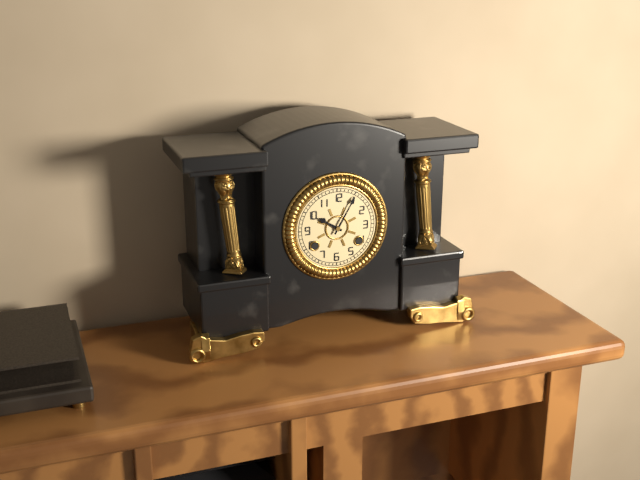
10:05
